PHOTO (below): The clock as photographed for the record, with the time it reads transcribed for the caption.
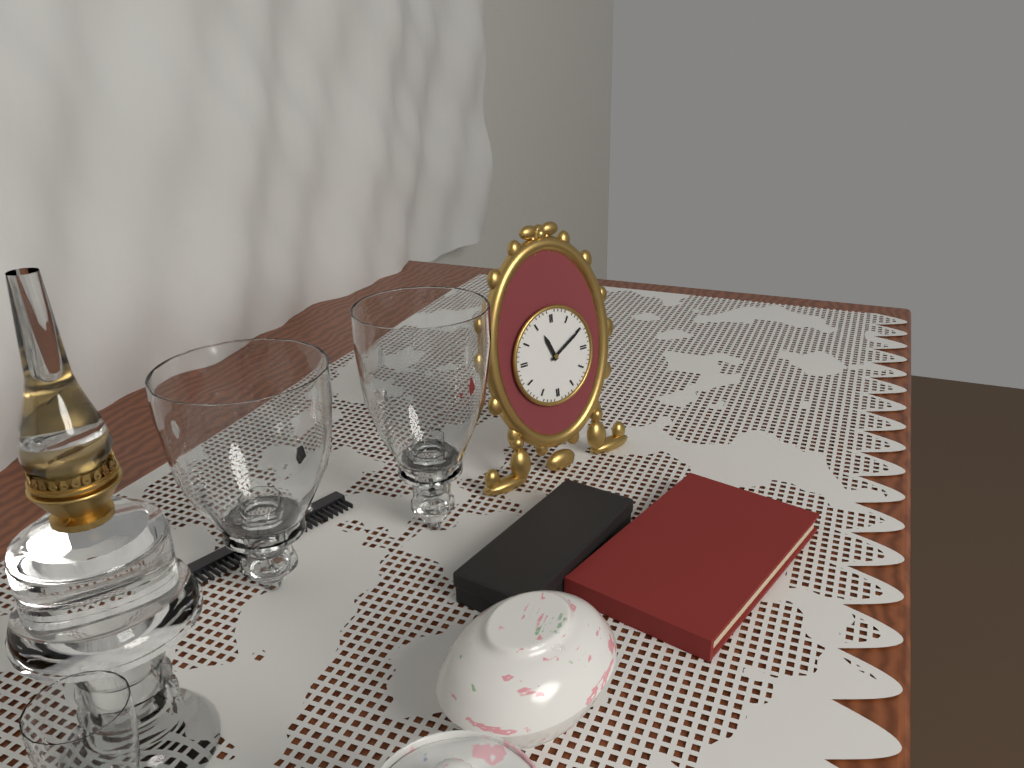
11:10
